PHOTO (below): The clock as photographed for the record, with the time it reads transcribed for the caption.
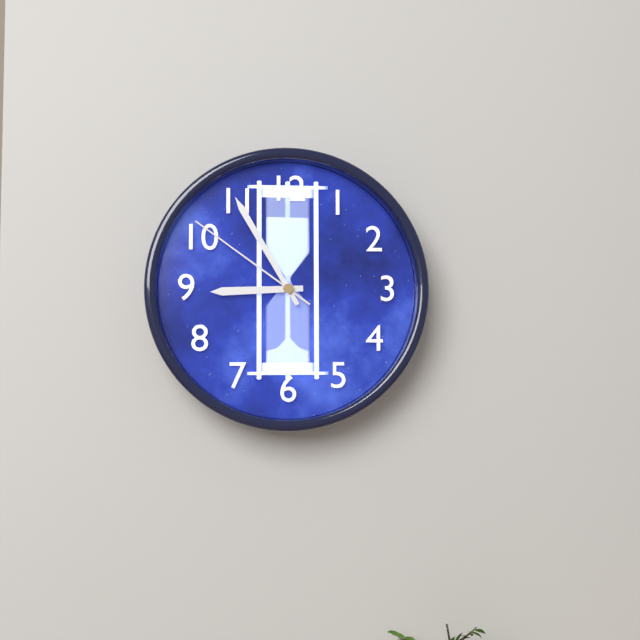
8:55:51
